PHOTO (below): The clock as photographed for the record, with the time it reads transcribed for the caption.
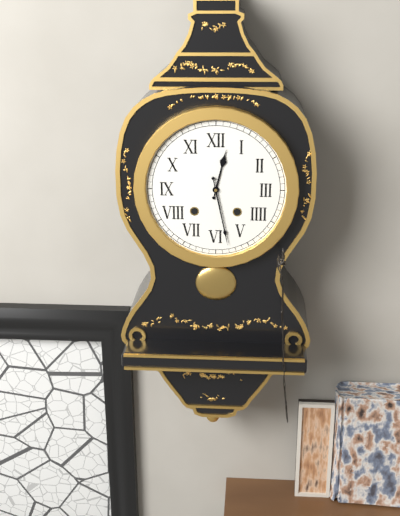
12:28
